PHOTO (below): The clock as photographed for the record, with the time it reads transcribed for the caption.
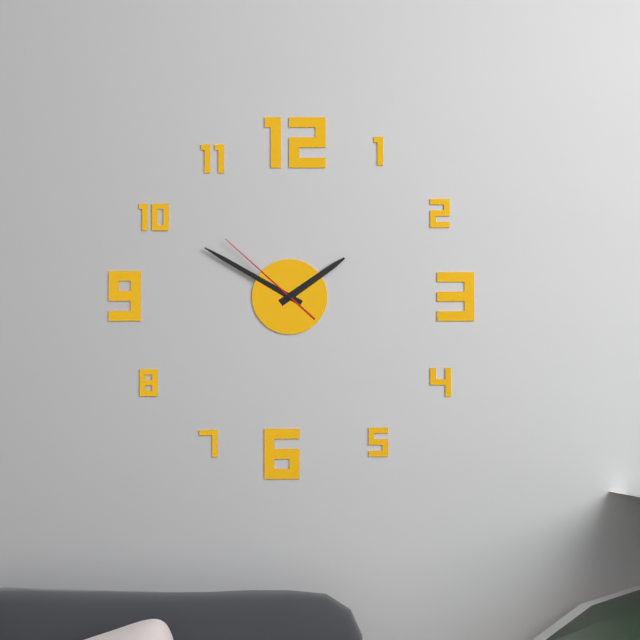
1:50:52
